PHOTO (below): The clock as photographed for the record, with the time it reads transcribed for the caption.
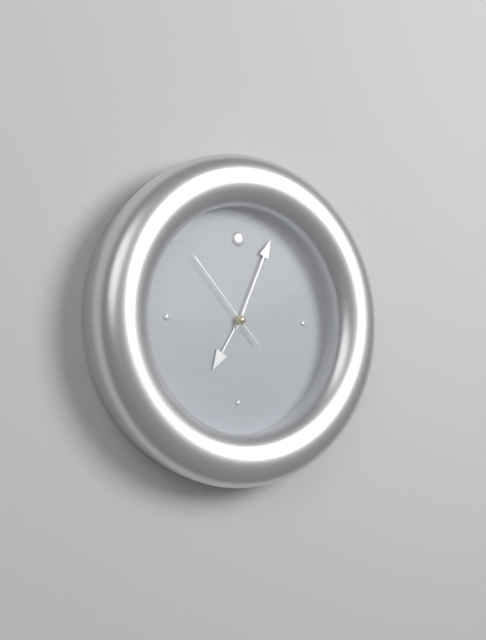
7:04:53
